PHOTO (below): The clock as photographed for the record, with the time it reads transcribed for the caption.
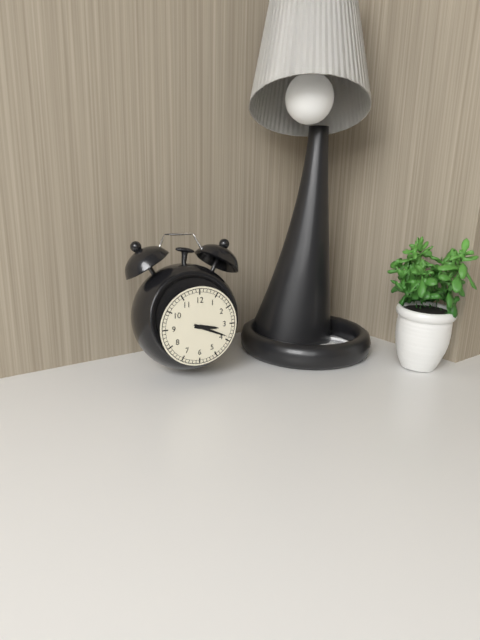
3:19
